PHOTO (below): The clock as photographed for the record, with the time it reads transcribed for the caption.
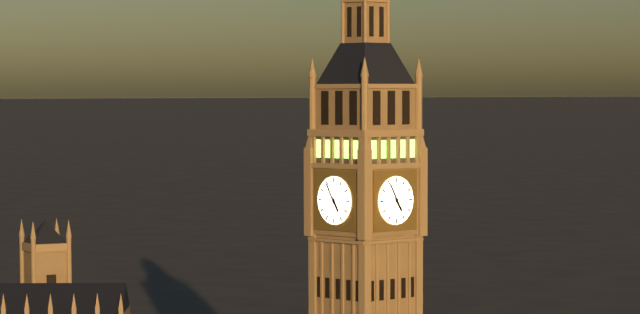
4:55
